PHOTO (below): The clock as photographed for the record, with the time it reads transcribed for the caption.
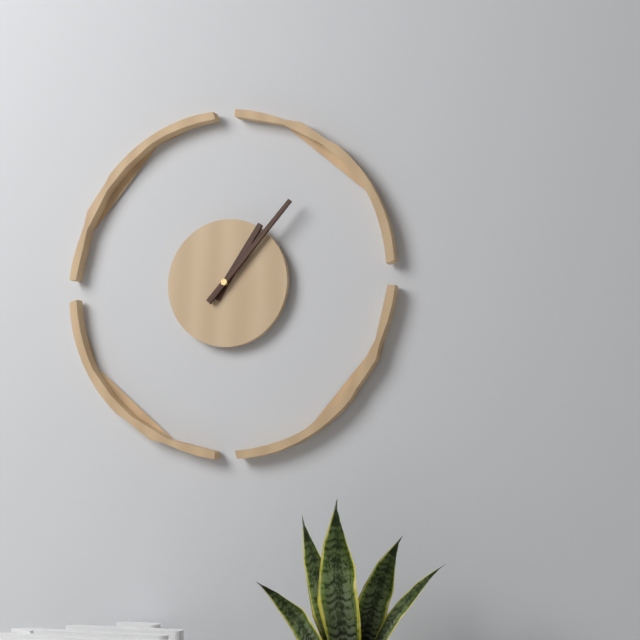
1:07
